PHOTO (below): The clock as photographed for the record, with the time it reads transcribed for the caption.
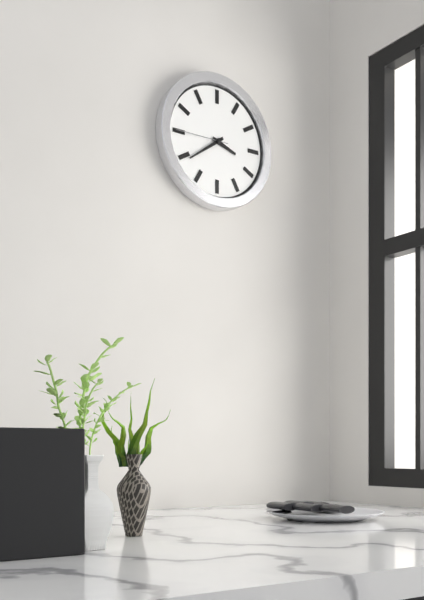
3:39:45
